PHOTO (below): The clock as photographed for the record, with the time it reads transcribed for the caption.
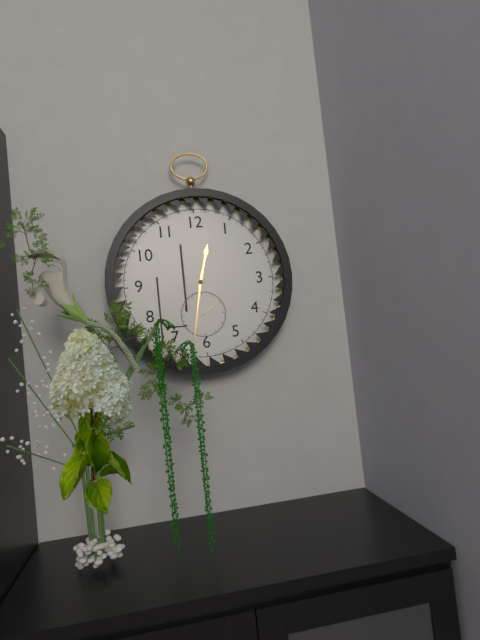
12:32
